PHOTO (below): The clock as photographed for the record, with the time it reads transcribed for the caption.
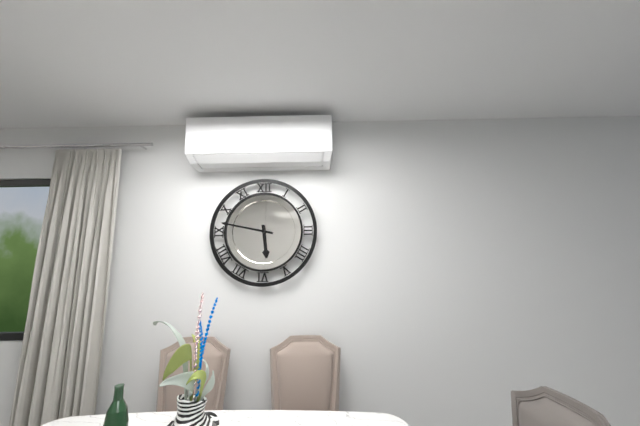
5:47
